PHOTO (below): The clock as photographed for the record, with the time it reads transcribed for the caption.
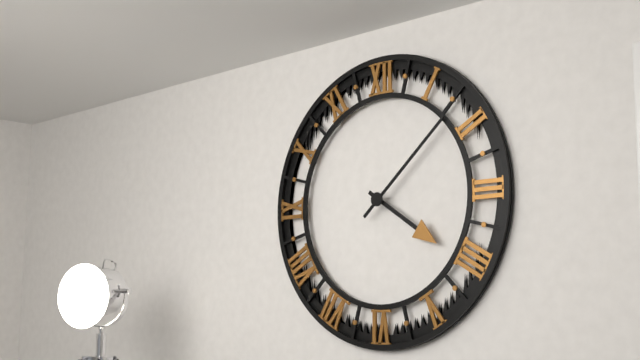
4:08
